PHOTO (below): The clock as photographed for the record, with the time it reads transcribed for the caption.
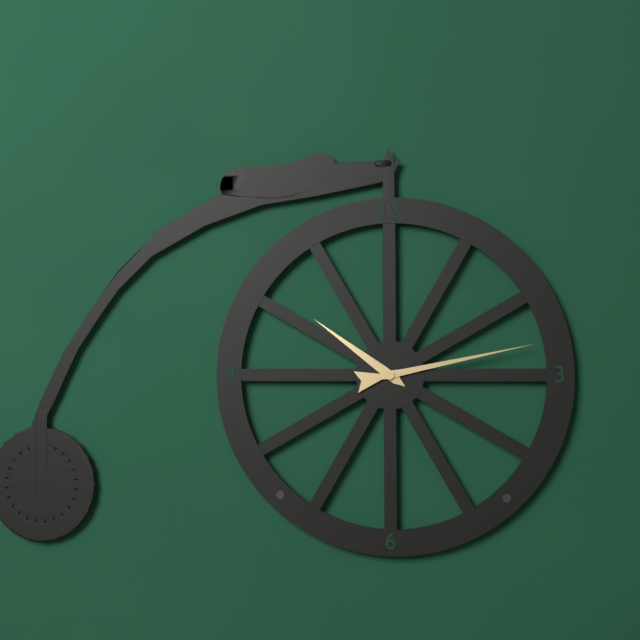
10:13
